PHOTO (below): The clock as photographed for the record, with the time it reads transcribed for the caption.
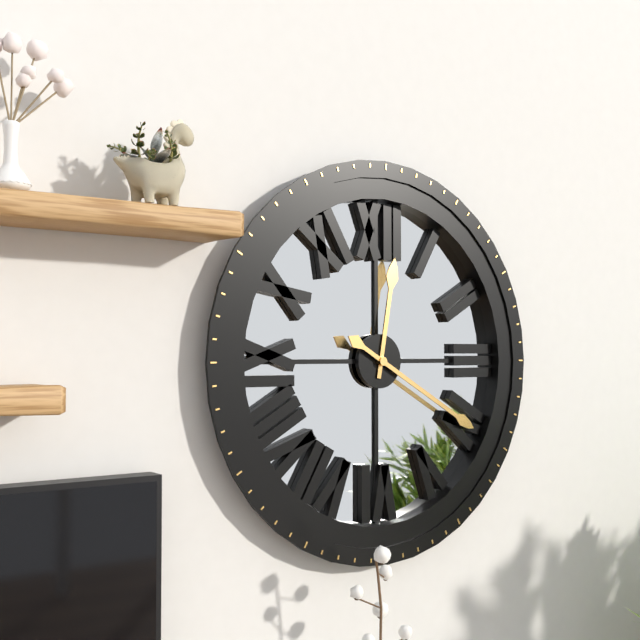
12:20
